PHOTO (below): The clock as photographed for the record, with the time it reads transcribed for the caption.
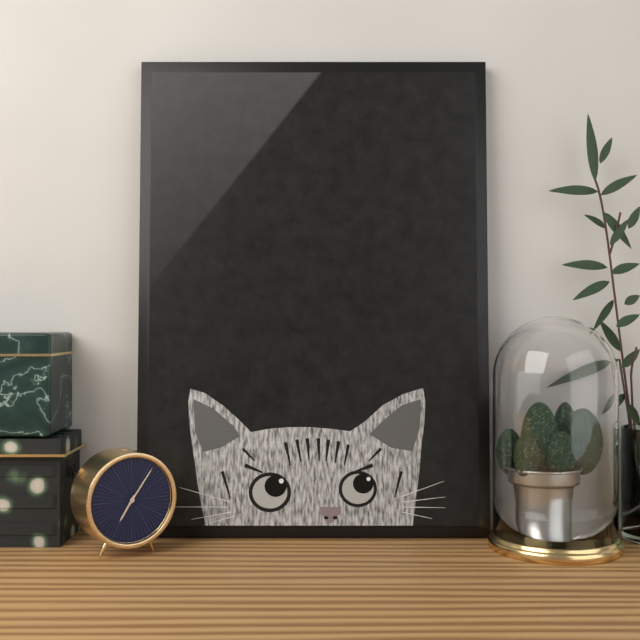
7:06
